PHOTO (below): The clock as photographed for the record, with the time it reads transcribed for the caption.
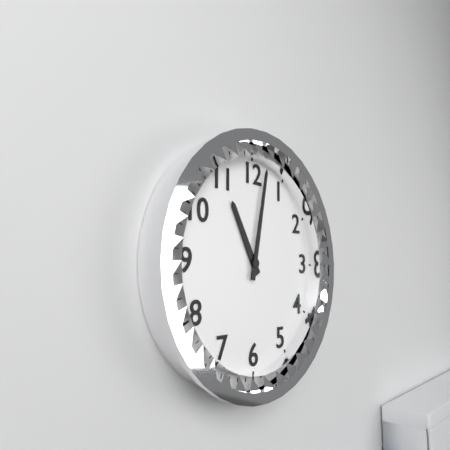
11:02
